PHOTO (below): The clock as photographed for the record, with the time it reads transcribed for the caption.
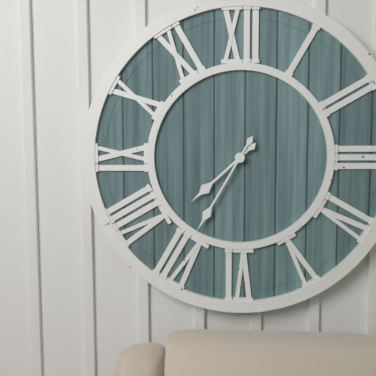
7:35
